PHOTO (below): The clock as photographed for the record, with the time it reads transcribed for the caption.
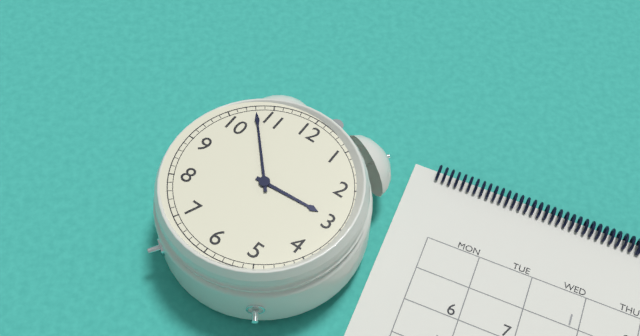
2:53
